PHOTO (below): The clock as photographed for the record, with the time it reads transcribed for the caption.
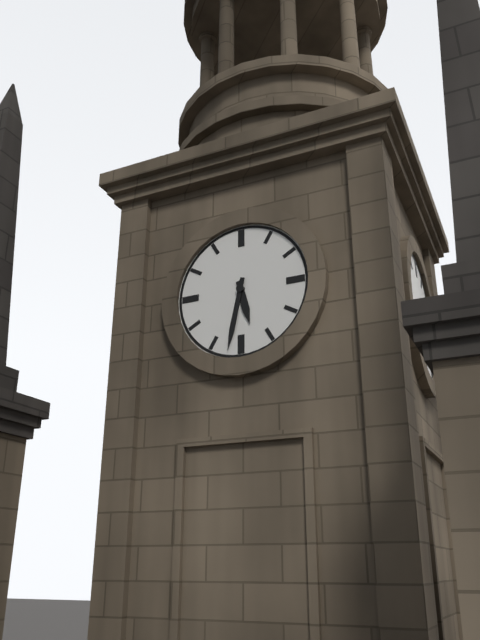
5:32
